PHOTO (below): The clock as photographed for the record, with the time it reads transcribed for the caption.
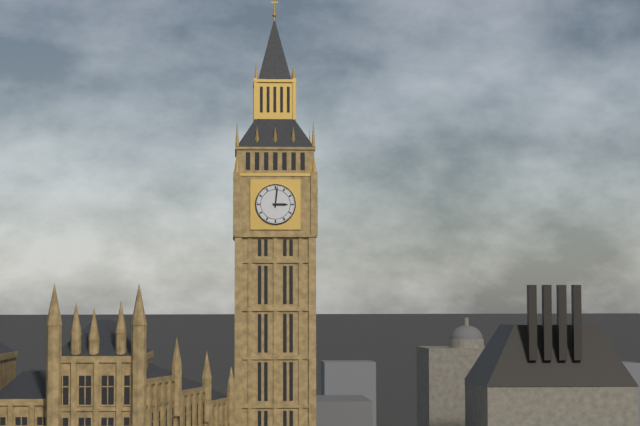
3:01
